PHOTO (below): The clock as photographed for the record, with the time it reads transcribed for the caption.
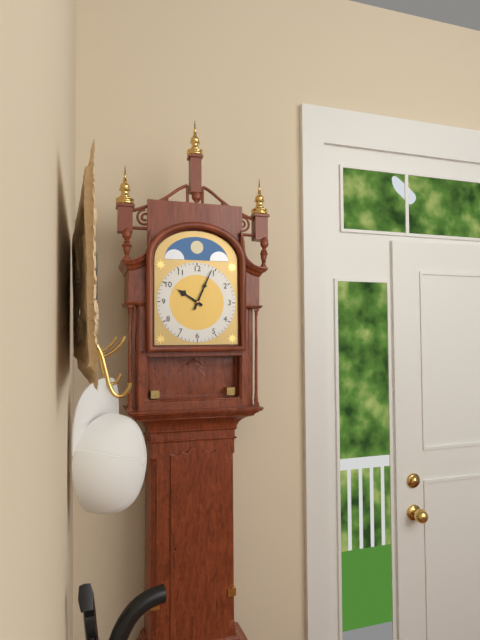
10:04
